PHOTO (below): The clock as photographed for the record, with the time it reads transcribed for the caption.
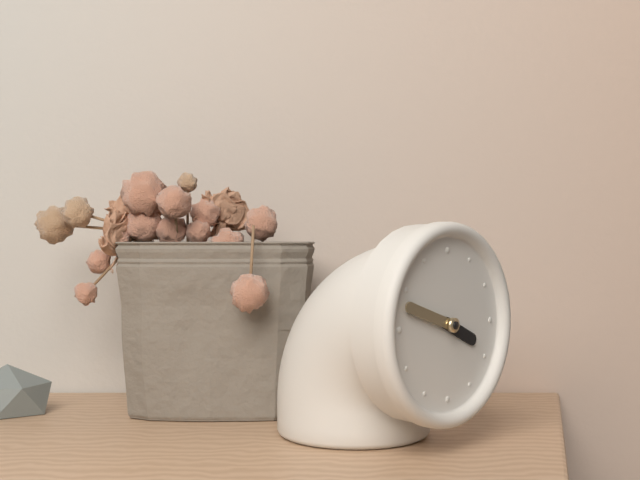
3:48
